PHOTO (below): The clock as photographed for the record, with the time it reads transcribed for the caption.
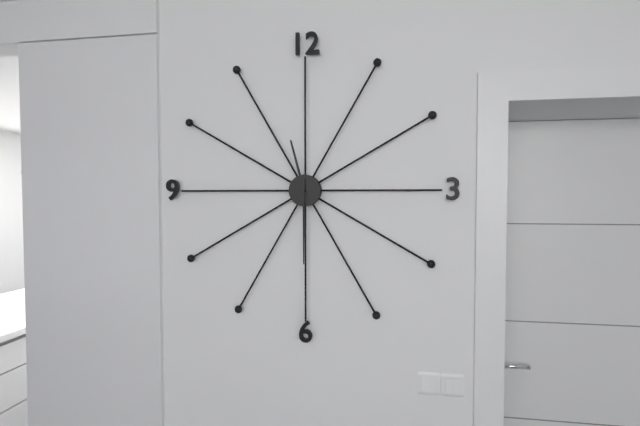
11:30
